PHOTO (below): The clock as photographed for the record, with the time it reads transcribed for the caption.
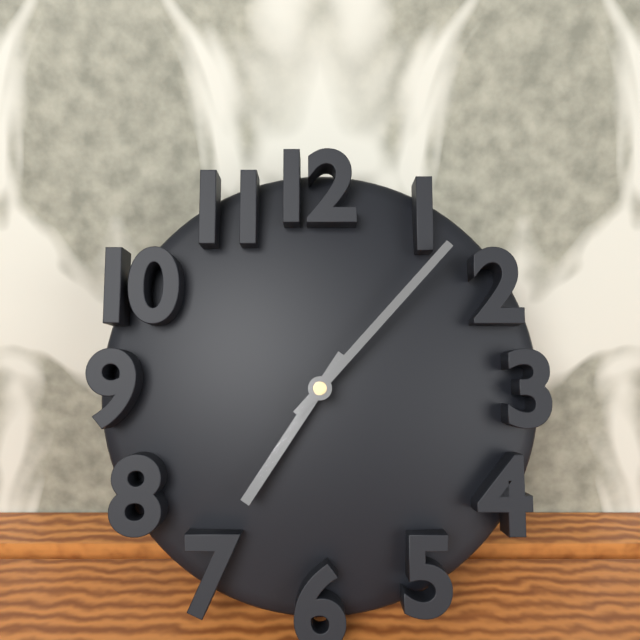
7:07
